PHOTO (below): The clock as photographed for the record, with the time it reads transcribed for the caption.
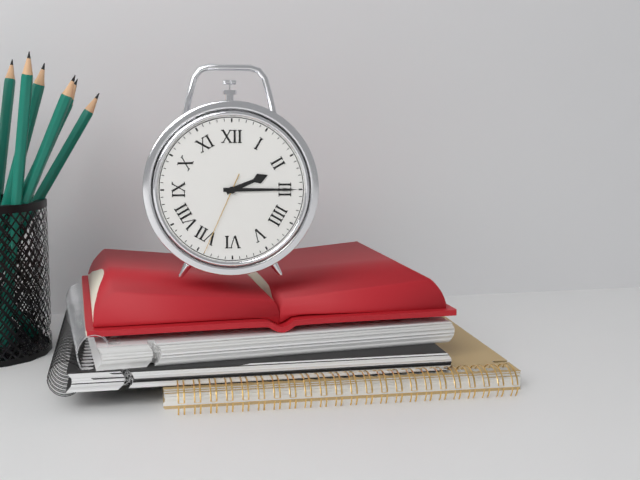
2:15:34
